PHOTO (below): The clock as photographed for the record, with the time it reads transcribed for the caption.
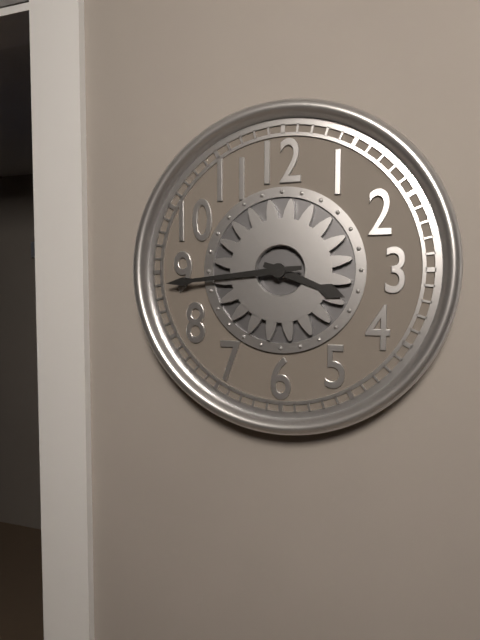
3:44
